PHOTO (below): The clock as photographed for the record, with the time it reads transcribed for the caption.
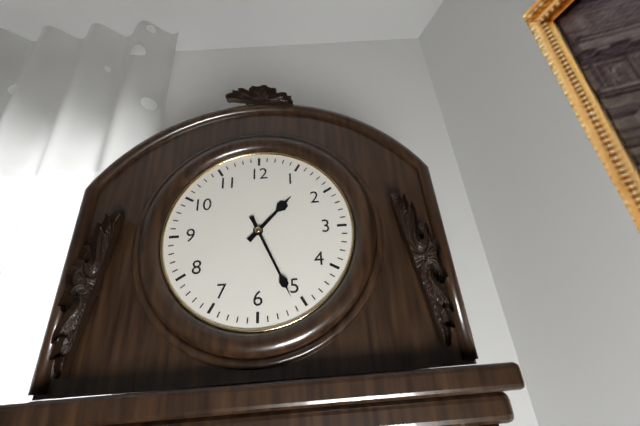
1:26
